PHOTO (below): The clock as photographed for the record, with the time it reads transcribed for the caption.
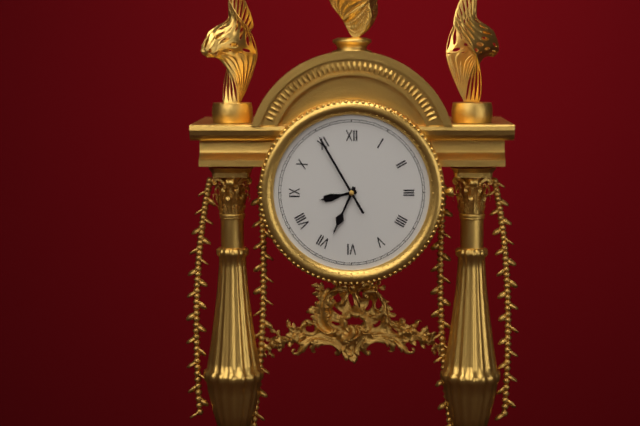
8:34:55
